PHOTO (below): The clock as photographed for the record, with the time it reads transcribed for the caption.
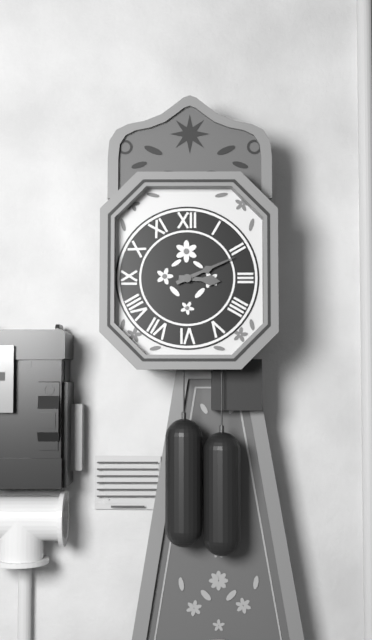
3:11
